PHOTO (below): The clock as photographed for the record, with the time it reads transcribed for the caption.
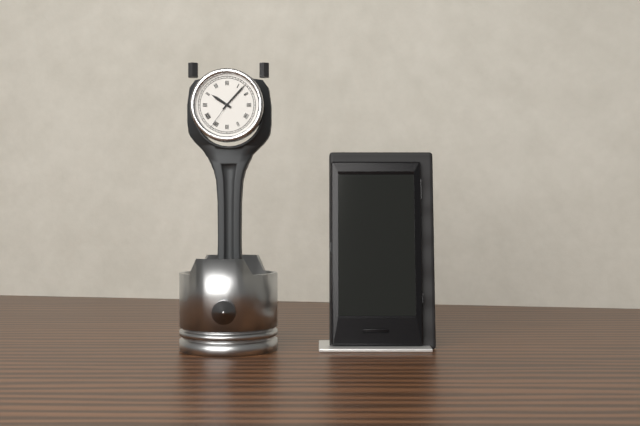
10:07
